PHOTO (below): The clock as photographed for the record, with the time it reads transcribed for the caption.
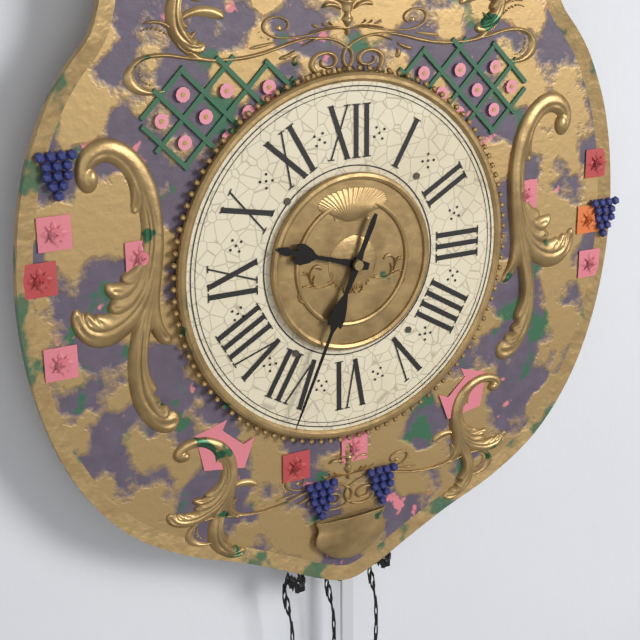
9:34
